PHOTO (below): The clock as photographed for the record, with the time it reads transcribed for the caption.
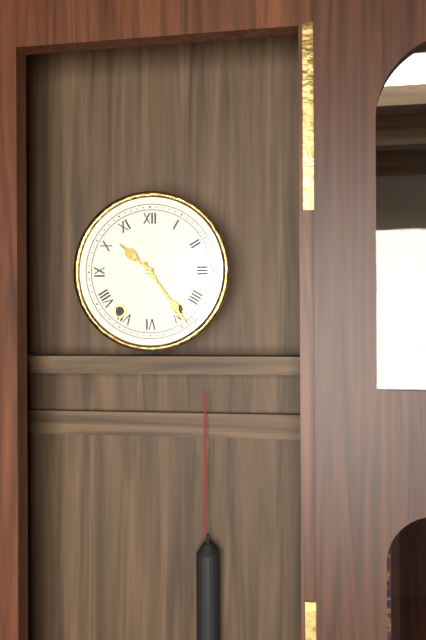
10:24
